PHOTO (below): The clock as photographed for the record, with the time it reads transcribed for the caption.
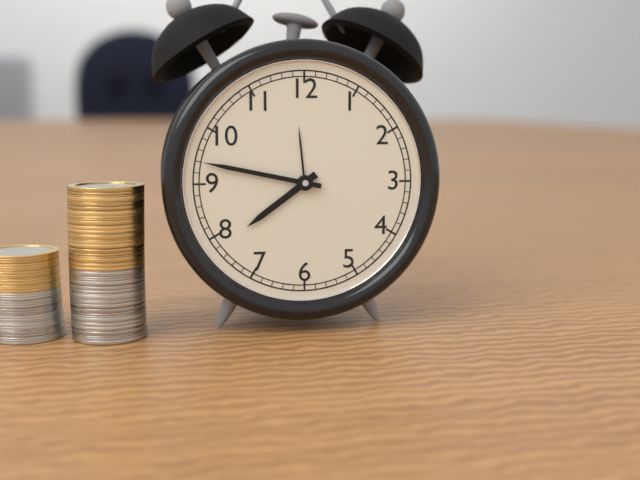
7:47
